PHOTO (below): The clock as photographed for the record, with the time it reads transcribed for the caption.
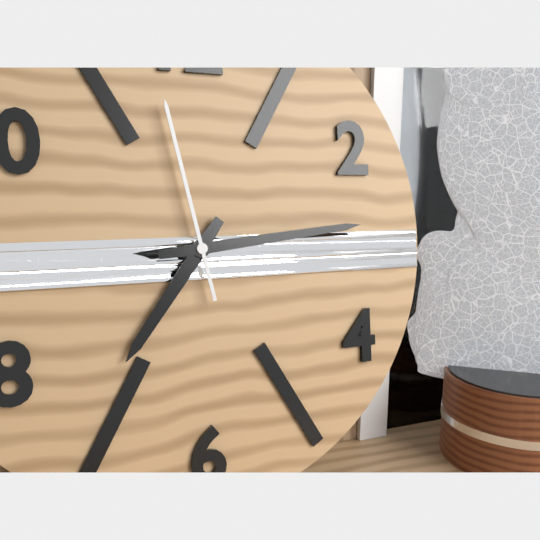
7:14:58
